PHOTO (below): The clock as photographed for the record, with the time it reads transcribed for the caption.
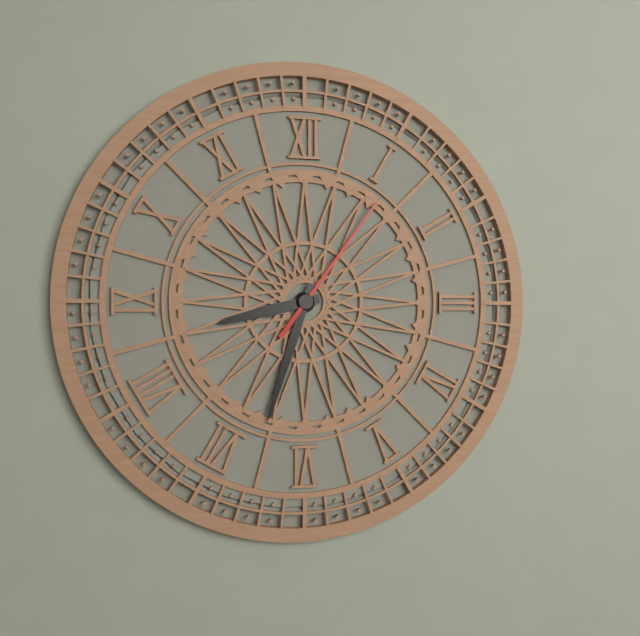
8:33:06
